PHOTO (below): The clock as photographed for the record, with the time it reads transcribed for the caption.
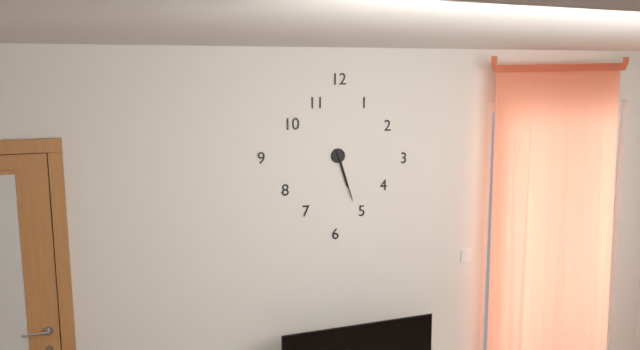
5:27
